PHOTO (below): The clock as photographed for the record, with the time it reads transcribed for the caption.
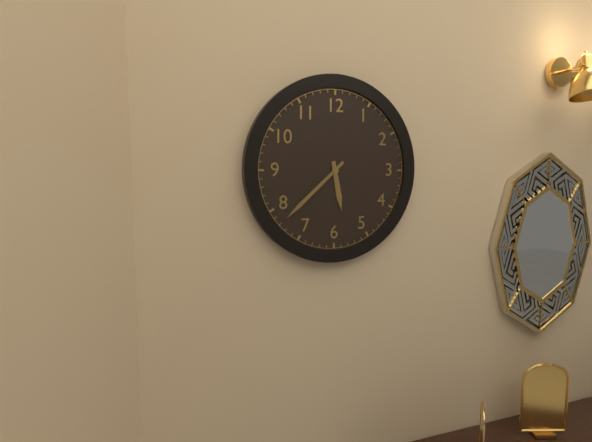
5:38
